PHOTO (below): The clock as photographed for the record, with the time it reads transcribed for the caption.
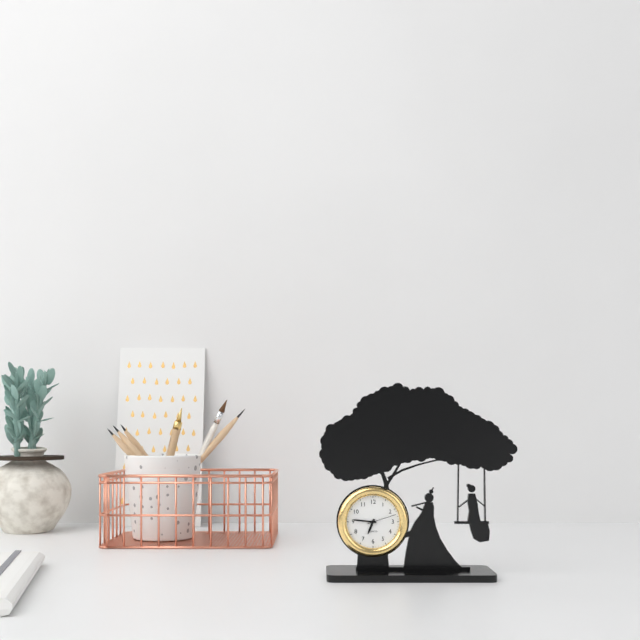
6:46
